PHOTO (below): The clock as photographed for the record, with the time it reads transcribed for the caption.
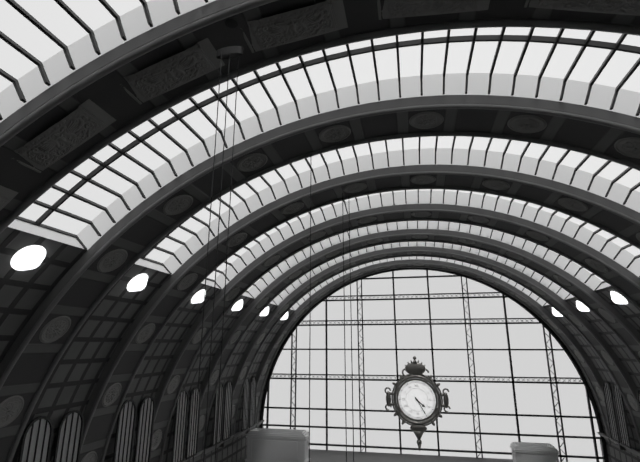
4:25
